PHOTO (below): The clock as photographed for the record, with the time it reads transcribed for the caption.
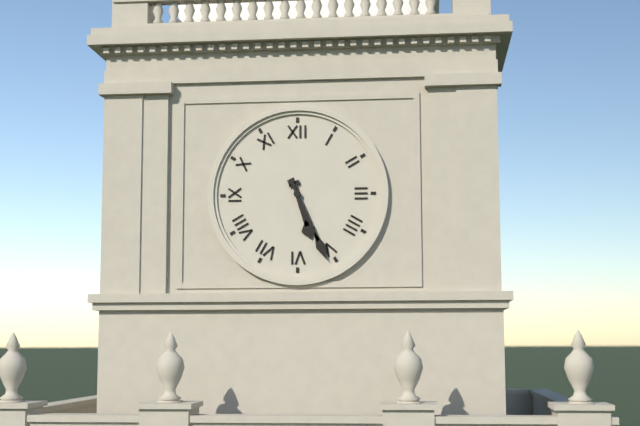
5:26
